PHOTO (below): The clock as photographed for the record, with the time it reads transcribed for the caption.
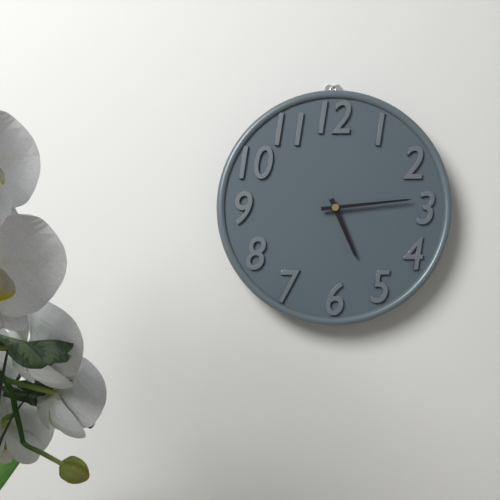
5:14
